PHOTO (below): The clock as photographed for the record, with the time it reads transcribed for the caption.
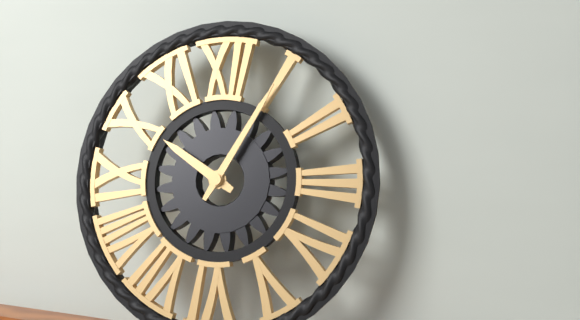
10:05
